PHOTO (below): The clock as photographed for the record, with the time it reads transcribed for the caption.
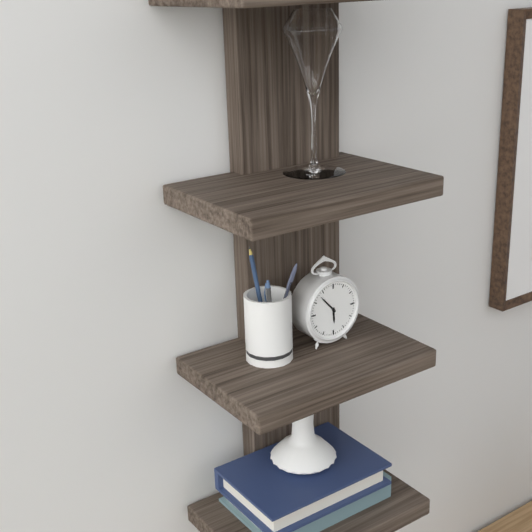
5:53
